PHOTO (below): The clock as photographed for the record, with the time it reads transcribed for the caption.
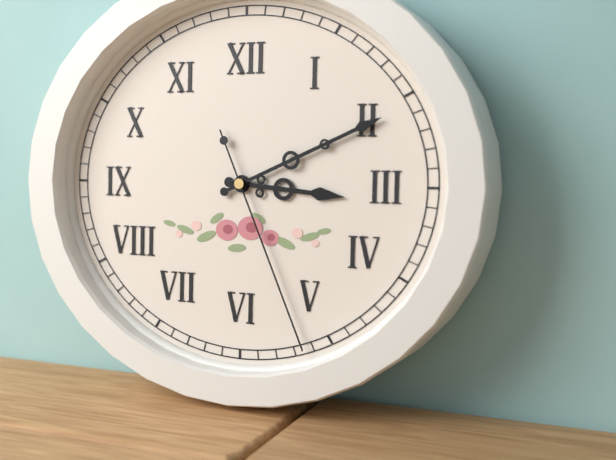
3:11:26
